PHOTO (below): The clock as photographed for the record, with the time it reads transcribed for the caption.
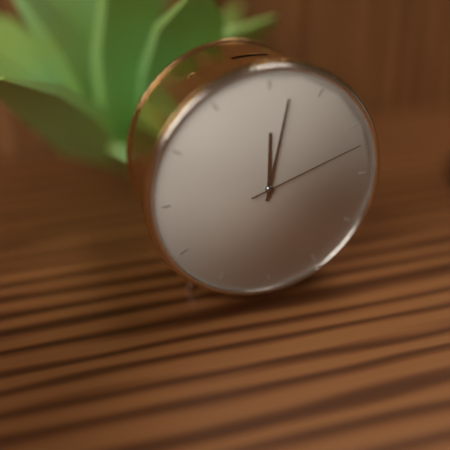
12:02:12
